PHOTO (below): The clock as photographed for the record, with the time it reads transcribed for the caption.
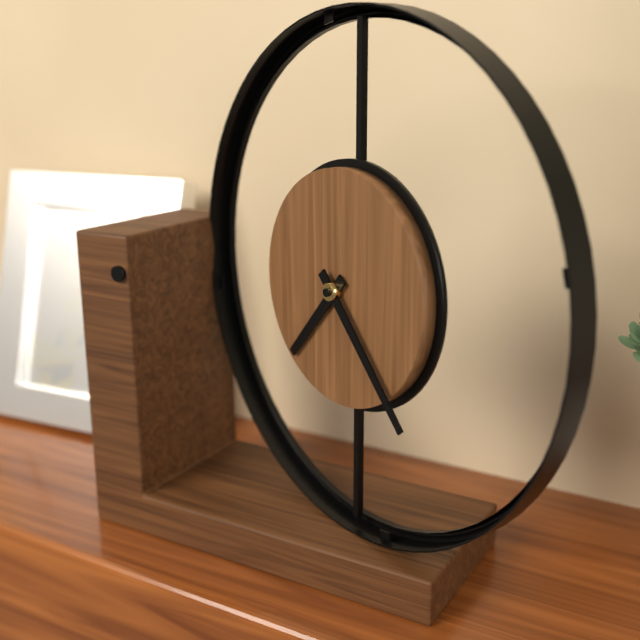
7:23
